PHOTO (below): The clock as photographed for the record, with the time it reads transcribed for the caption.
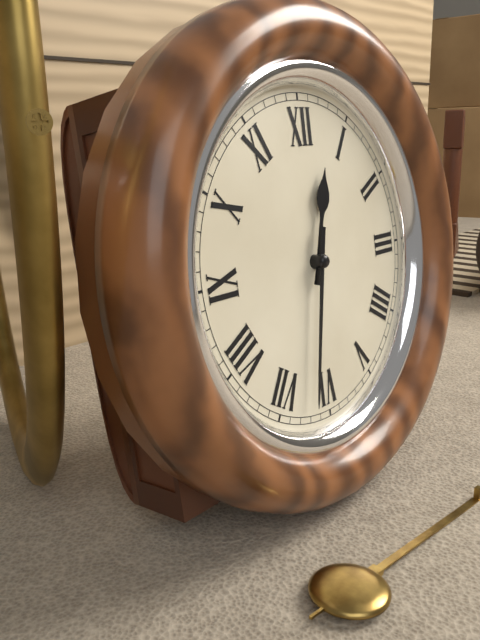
12:32
